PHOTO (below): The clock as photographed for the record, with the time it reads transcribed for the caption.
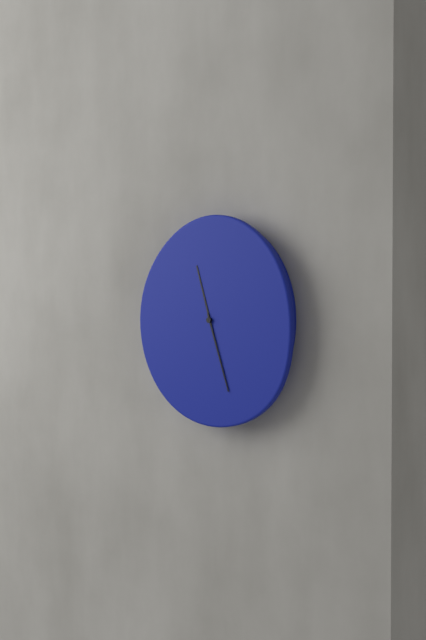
11:27
